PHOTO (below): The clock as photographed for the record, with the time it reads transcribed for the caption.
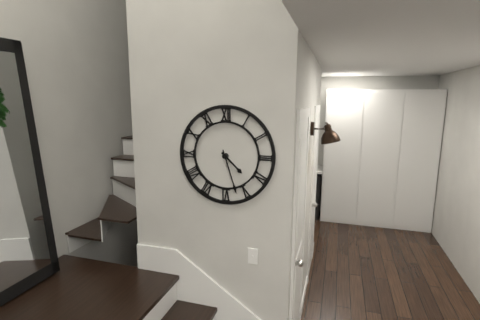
4:27
